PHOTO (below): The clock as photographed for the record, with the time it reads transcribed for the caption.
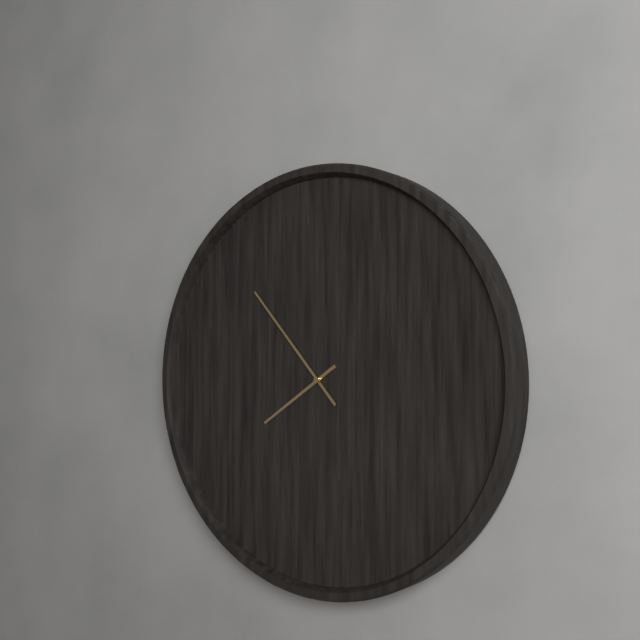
7:53
